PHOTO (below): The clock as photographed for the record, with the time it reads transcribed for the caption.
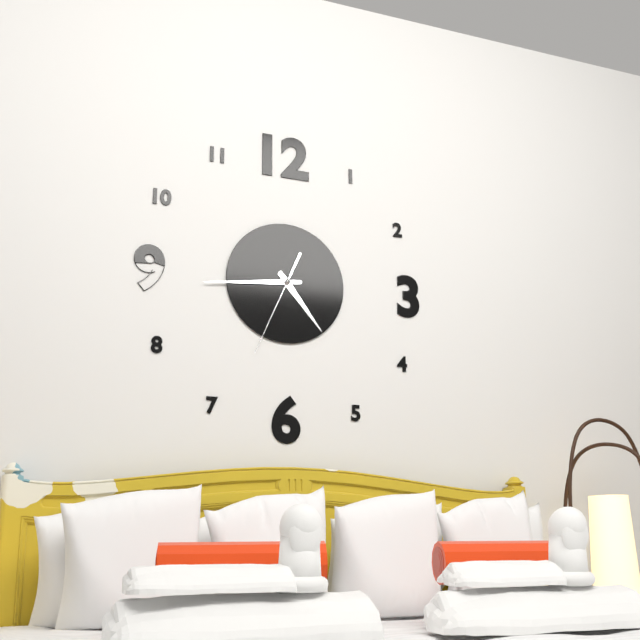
4:44:34
